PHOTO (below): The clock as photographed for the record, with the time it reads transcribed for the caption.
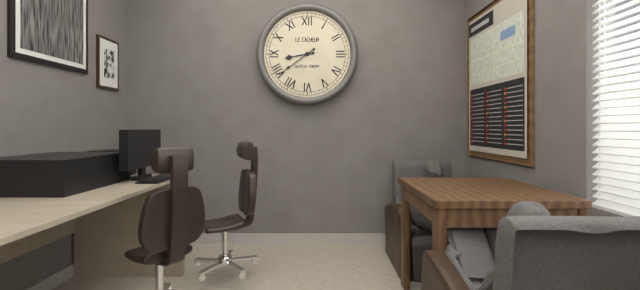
8:39
